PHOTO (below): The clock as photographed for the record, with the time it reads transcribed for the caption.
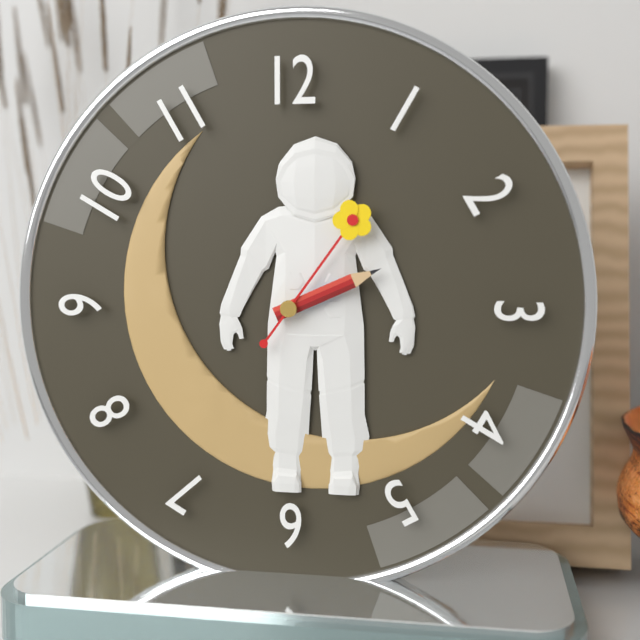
2:11:06
